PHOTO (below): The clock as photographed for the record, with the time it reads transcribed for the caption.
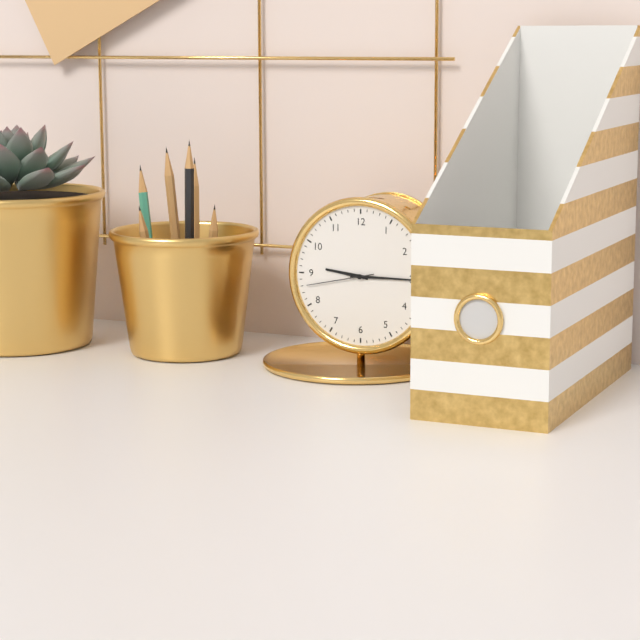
9:15:43
